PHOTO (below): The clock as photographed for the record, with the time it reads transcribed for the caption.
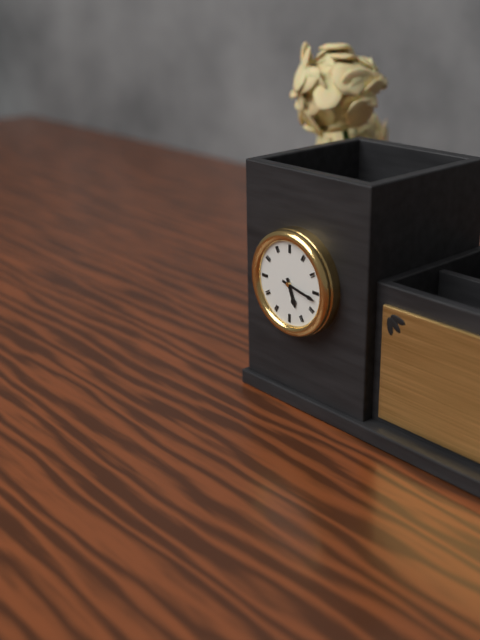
5:17
